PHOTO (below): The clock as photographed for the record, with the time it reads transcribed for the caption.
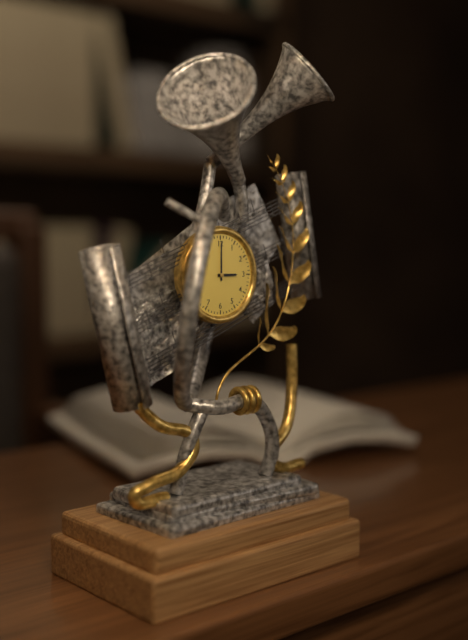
3:00
